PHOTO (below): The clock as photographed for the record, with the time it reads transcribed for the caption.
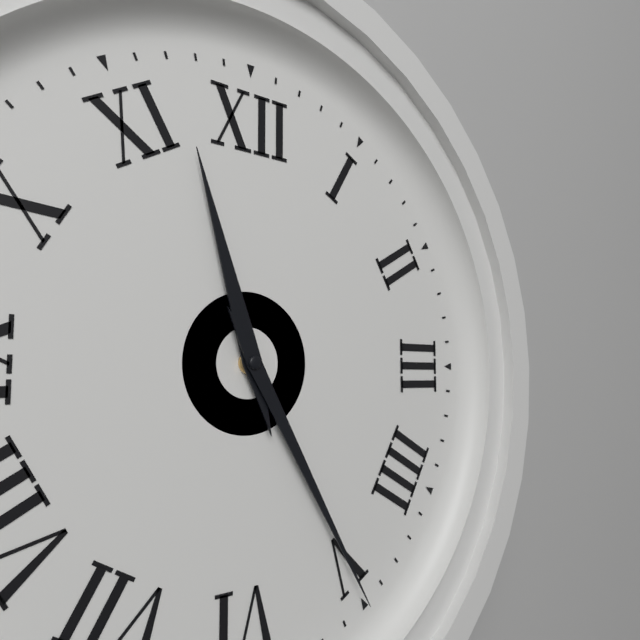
11:25
